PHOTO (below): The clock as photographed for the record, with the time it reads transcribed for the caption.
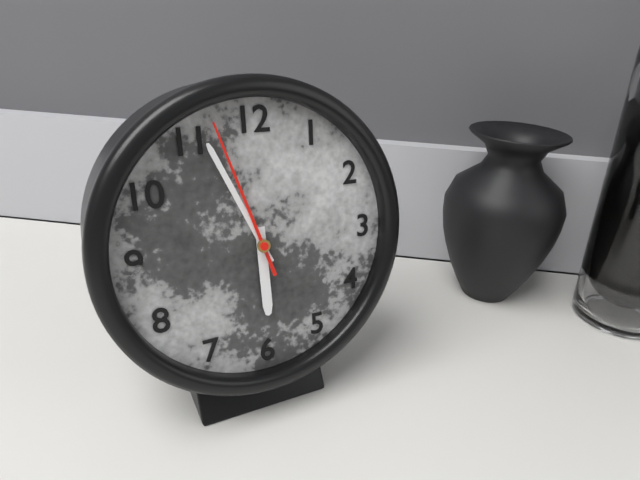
5:56:57
